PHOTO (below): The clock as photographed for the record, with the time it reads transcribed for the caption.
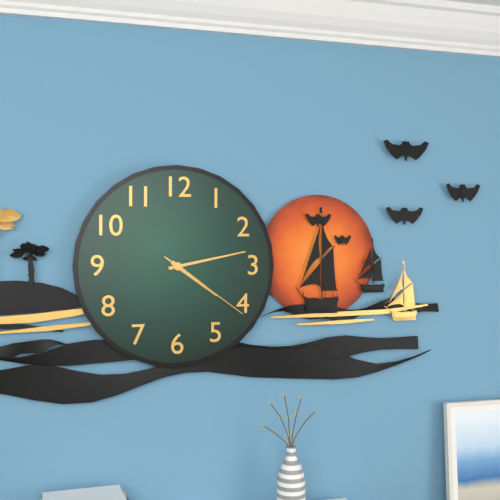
4:13:21
